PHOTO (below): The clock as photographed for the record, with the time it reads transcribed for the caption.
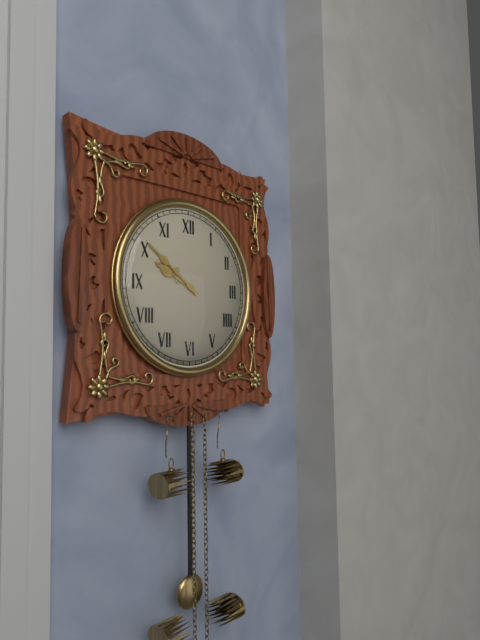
9:51
